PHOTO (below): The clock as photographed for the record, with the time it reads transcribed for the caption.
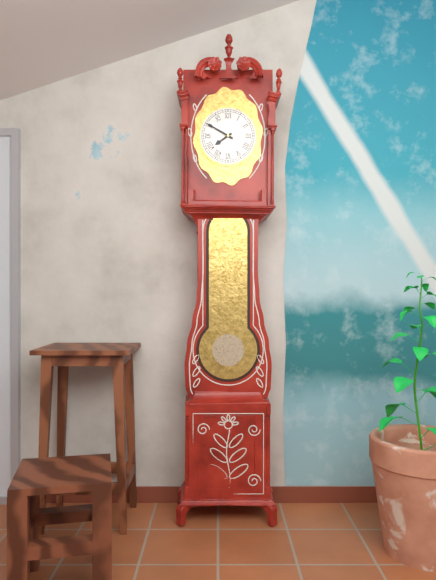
7:50
